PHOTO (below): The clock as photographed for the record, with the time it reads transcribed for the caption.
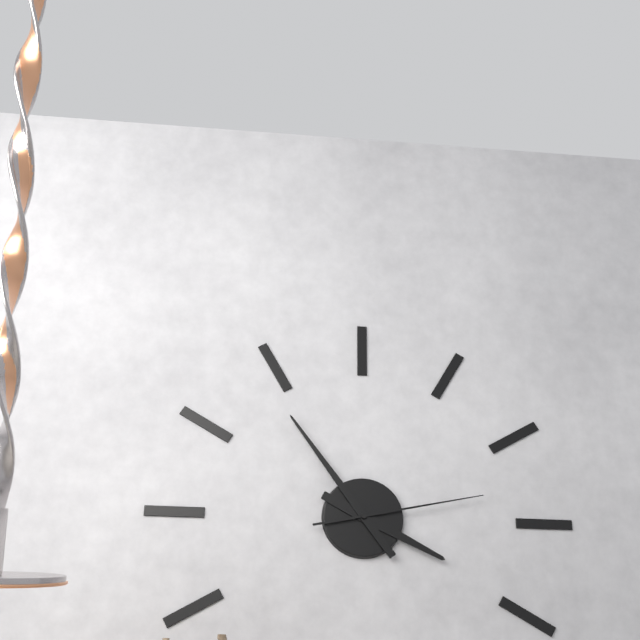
3:54:13
